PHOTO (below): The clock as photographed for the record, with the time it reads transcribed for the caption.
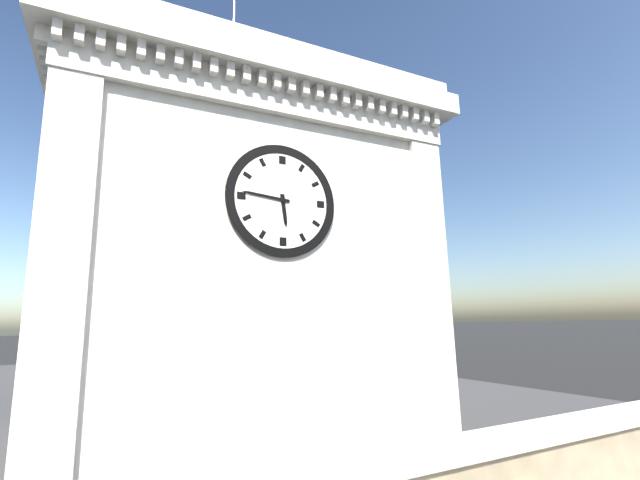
5:46
